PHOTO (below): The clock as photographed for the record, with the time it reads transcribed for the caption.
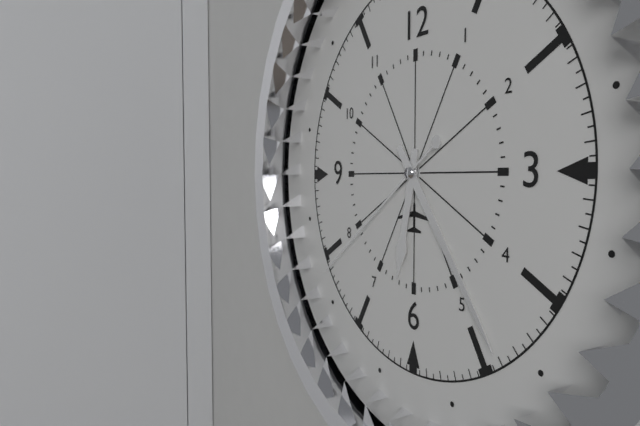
6:24:39
